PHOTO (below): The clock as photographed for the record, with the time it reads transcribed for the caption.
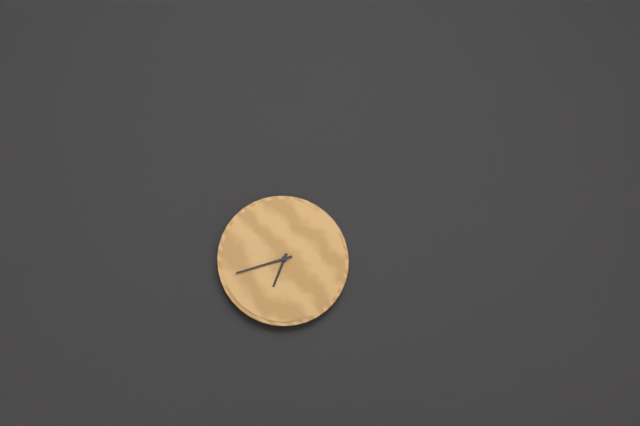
6:42
